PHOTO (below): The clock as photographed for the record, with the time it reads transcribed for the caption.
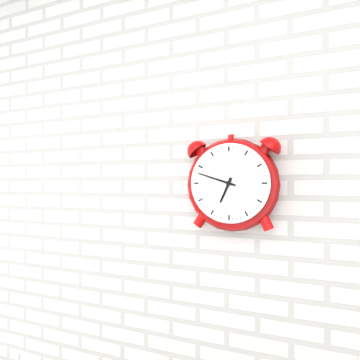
6:48
